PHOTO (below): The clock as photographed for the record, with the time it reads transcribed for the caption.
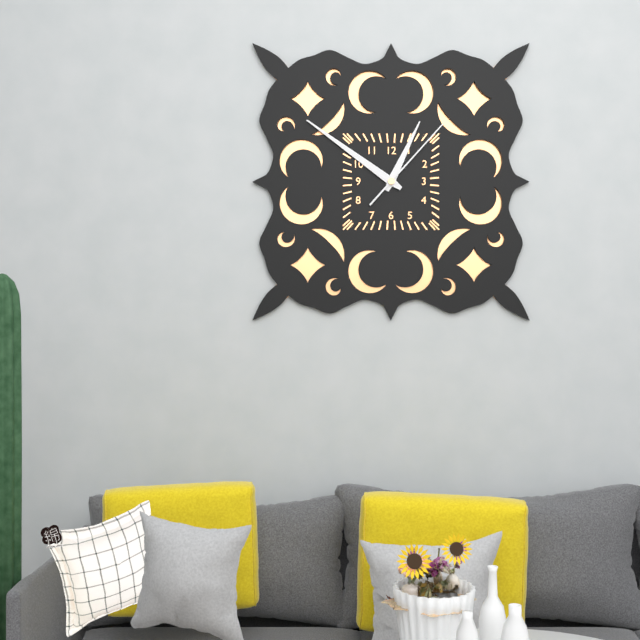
12:51:07
